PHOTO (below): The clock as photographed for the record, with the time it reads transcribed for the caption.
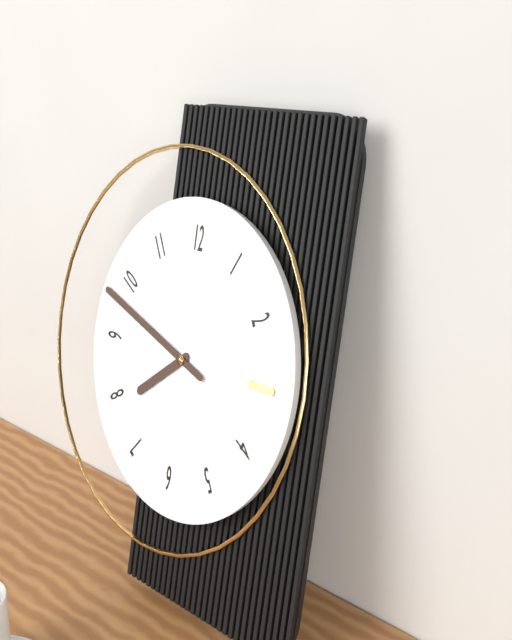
7:48
